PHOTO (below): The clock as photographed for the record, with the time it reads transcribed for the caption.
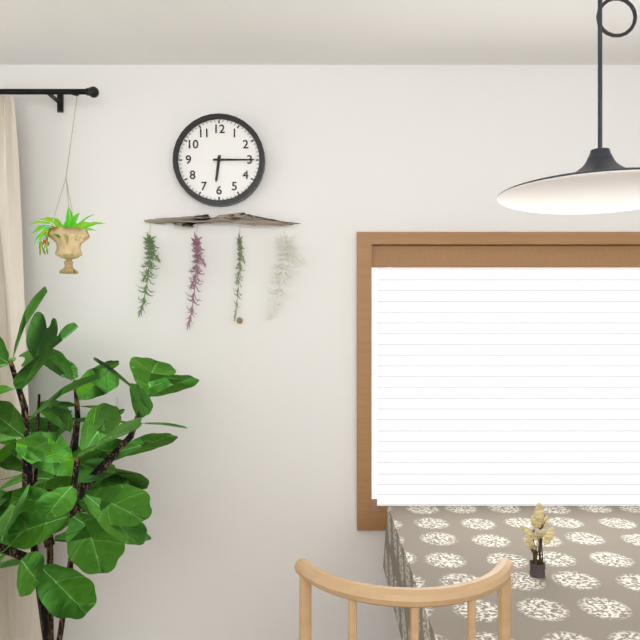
6:15
